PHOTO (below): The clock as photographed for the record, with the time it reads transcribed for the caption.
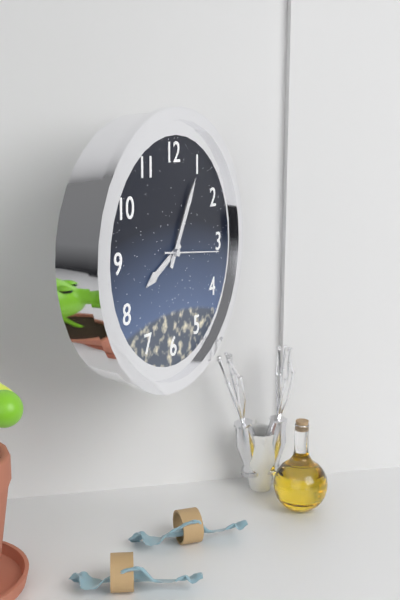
8:05:16
